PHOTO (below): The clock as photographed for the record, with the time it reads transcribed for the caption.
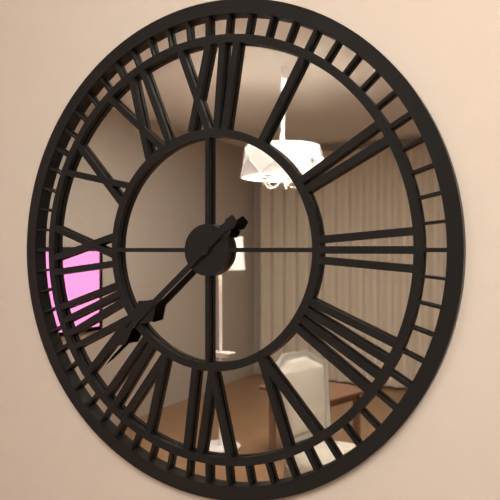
7:38
